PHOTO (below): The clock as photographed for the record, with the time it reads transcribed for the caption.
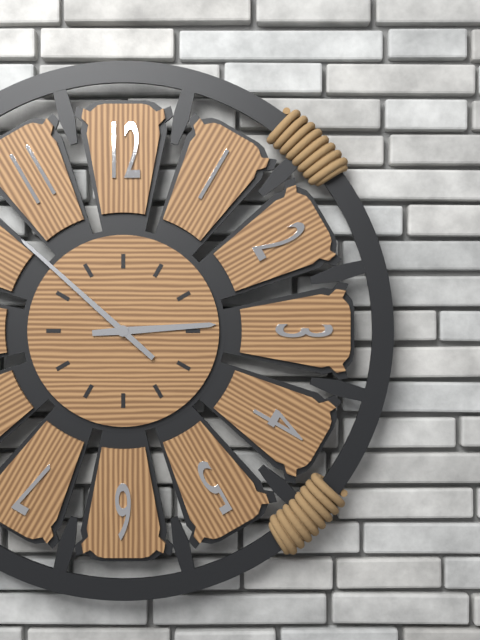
2:52
